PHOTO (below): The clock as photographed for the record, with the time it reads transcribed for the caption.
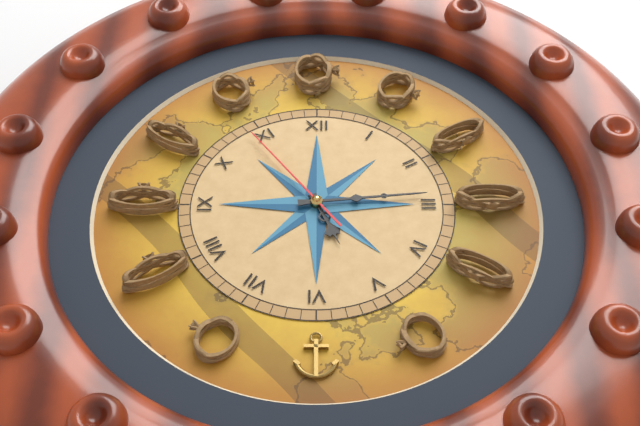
5:14:54
